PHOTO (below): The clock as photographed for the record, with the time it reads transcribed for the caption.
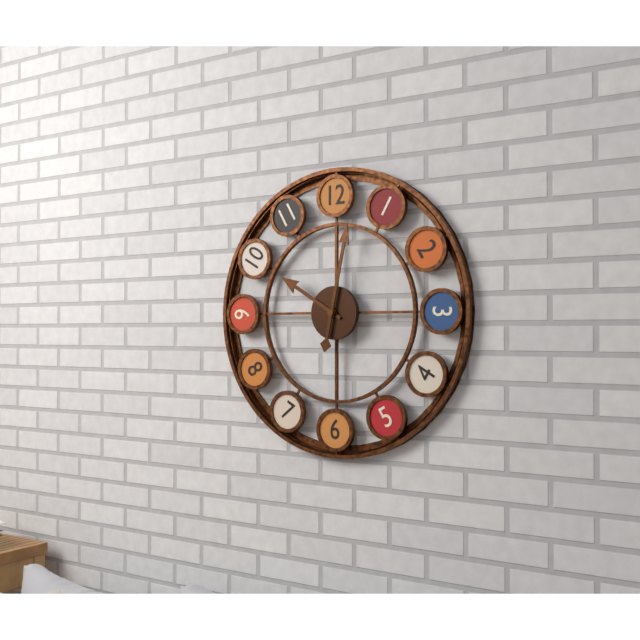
10:02
